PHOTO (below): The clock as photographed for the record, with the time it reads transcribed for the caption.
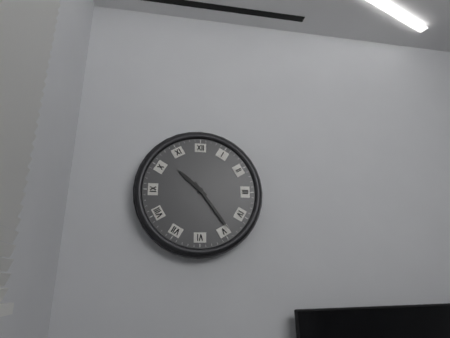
10:24
